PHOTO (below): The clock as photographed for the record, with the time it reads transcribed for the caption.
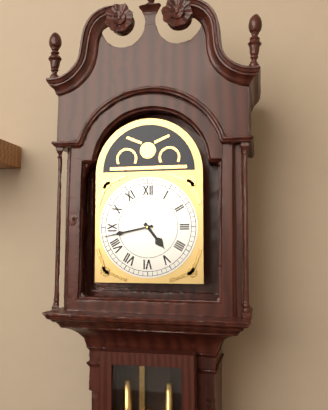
4:43
